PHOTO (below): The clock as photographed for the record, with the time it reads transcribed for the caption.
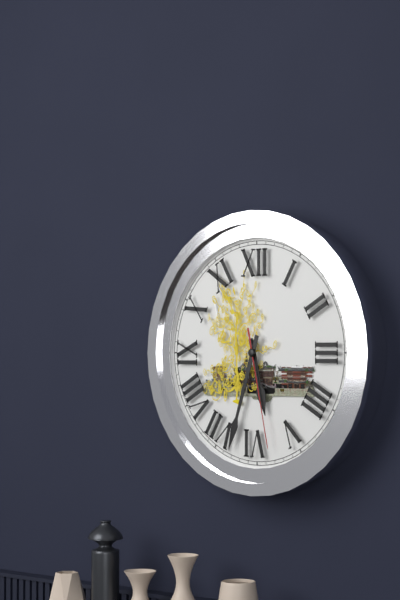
5:33:28
